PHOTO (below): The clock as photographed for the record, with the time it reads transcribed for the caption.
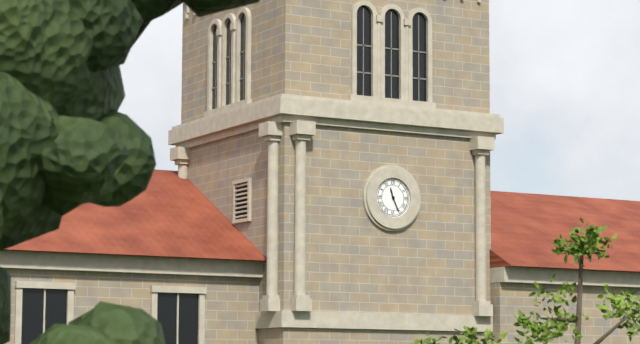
11:26
